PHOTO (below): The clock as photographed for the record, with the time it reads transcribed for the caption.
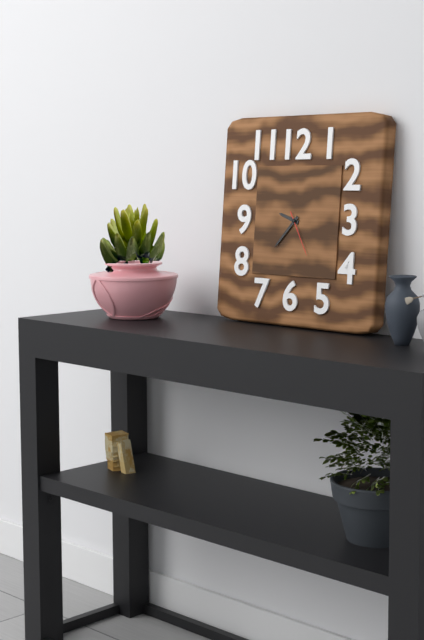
9:37
